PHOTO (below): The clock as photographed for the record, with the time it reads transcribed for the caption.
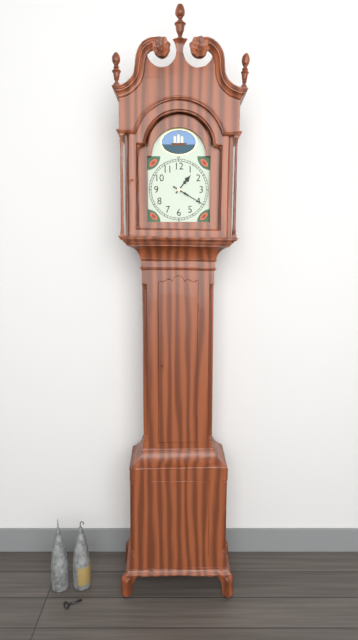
1:20
